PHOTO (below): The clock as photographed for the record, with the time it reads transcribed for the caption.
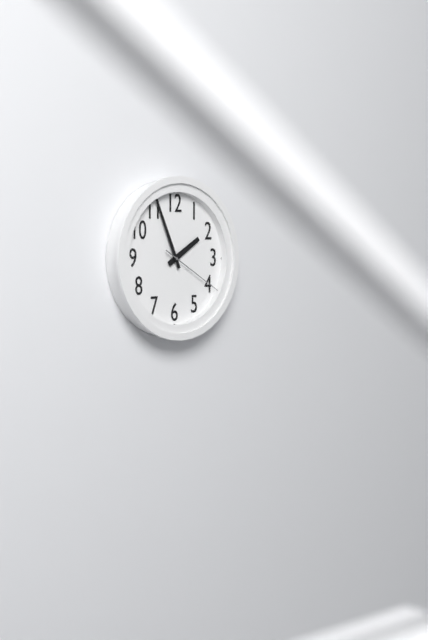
1:56:20
